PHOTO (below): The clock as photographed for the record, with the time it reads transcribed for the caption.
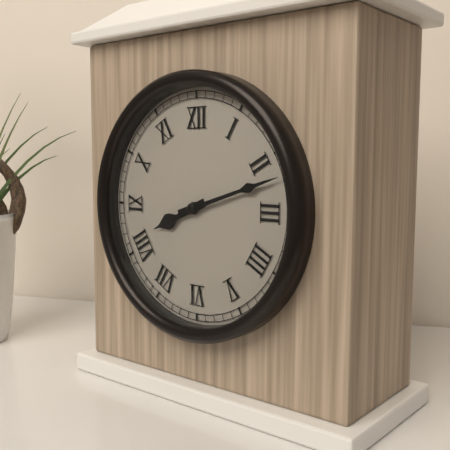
8:12
